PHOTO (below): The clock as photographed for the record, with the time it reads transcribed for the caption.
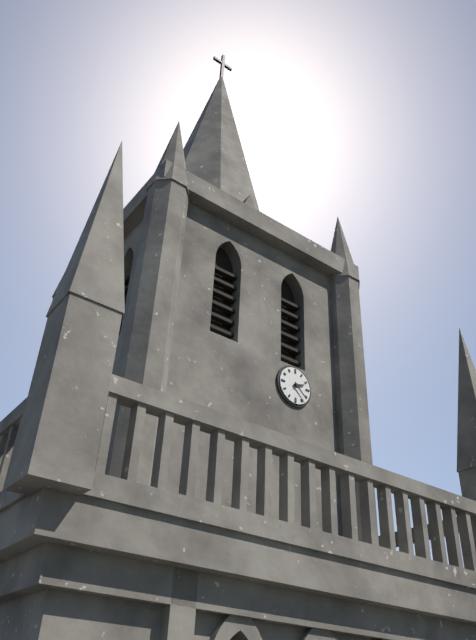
2:22
